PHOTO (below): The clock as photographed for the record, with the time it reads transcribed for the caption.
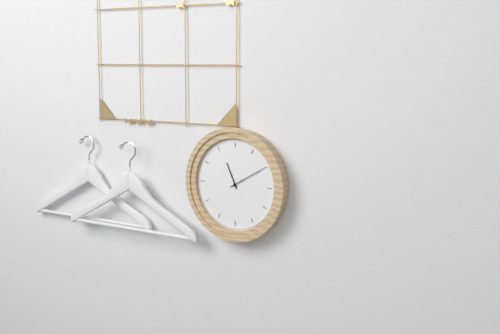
11:10
